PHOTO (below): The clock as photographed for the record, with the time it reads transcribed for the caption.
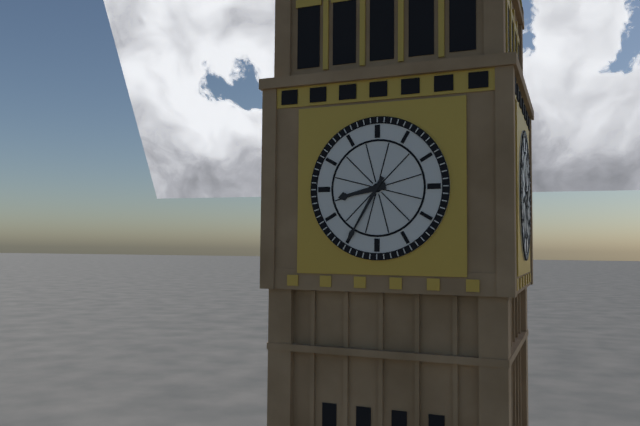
8:35
